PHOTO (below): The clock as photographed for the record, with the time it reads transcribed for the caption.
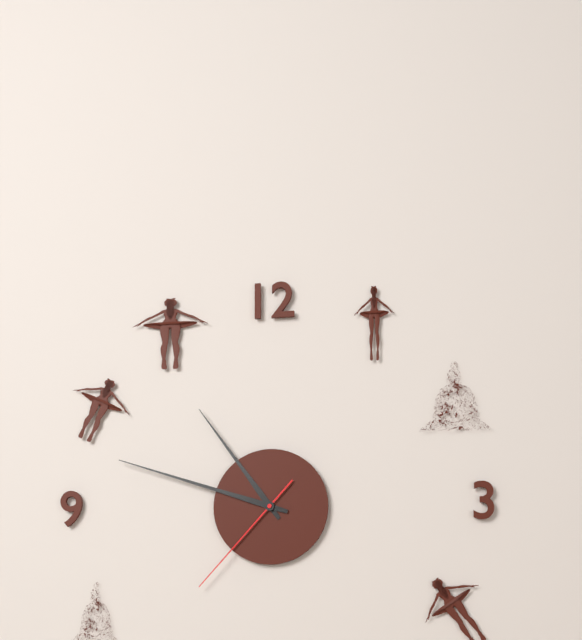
10:48:37
